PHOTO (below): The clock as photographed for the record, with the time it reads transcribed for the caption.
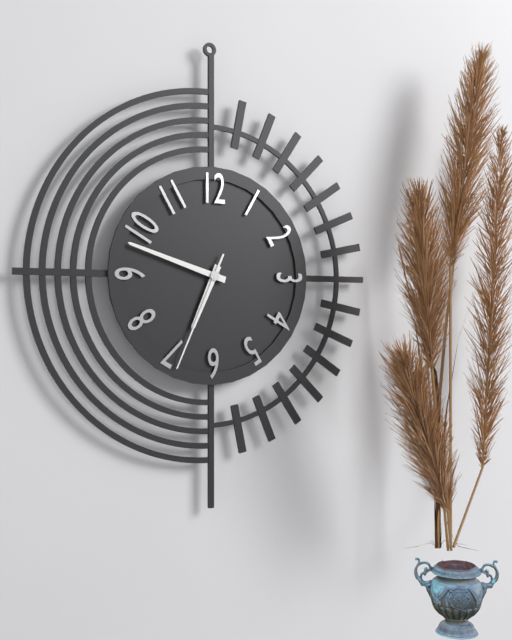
6:48:34
